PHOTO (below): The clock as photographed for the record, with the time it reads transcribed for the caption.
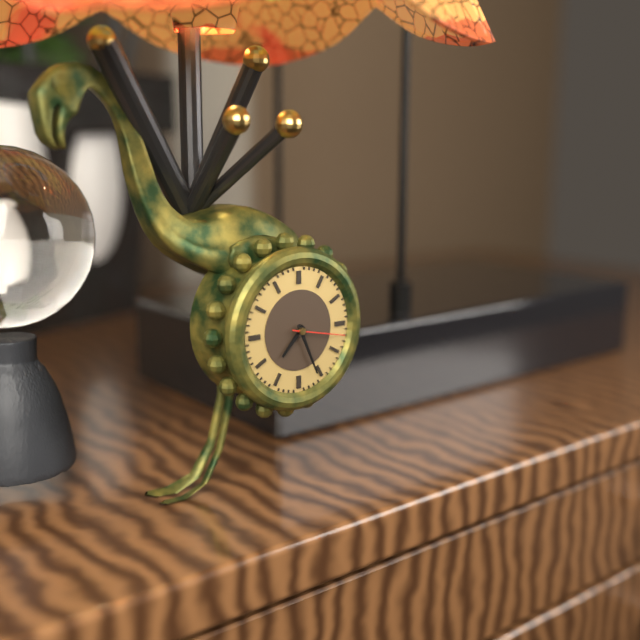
7:26:17
